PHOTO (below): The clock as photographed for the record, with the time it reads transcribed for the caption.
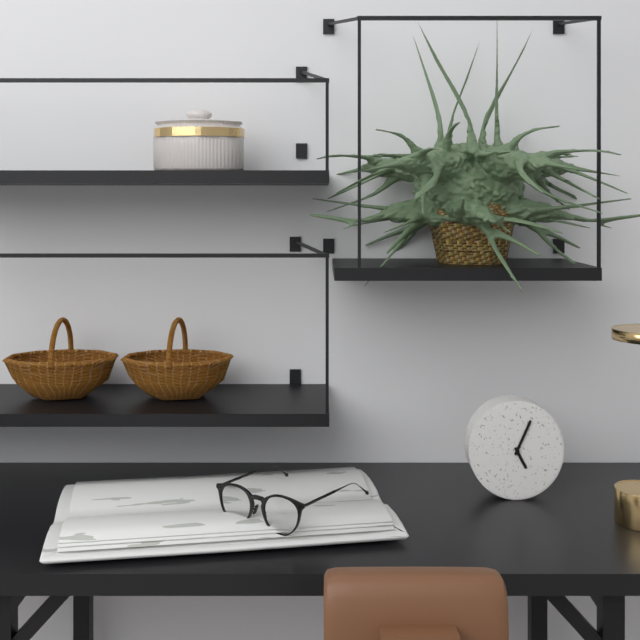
5:04
